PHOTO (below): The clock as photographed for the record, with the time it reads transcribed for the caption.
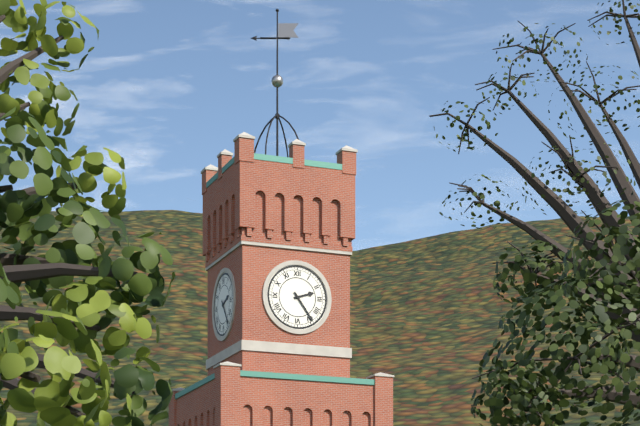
2:24
